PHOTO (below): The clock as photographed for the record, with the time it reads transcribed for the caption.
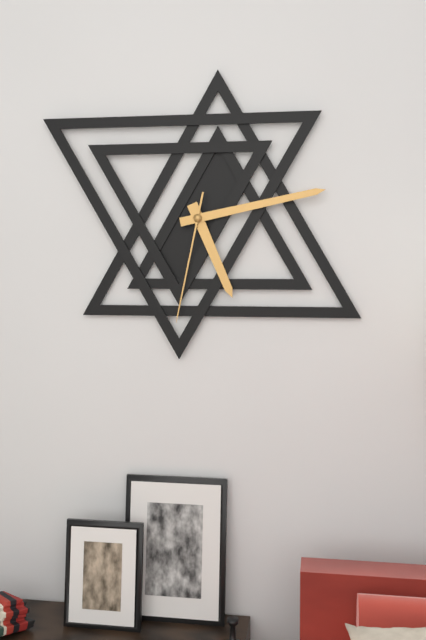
5:13:32
